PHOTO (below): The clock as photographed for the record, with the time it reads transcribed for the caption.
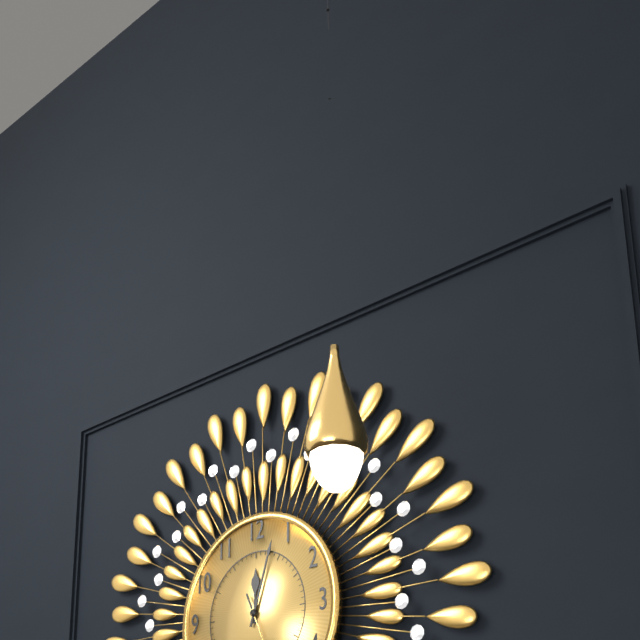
12:03
